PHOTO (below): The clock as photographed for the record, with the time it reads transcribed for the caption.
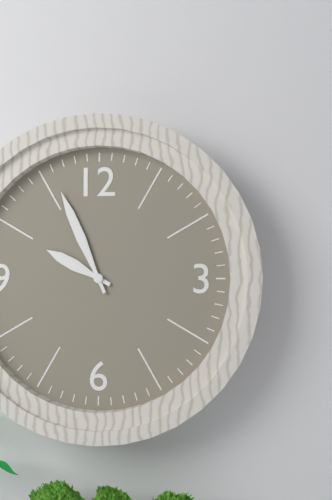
9:56
